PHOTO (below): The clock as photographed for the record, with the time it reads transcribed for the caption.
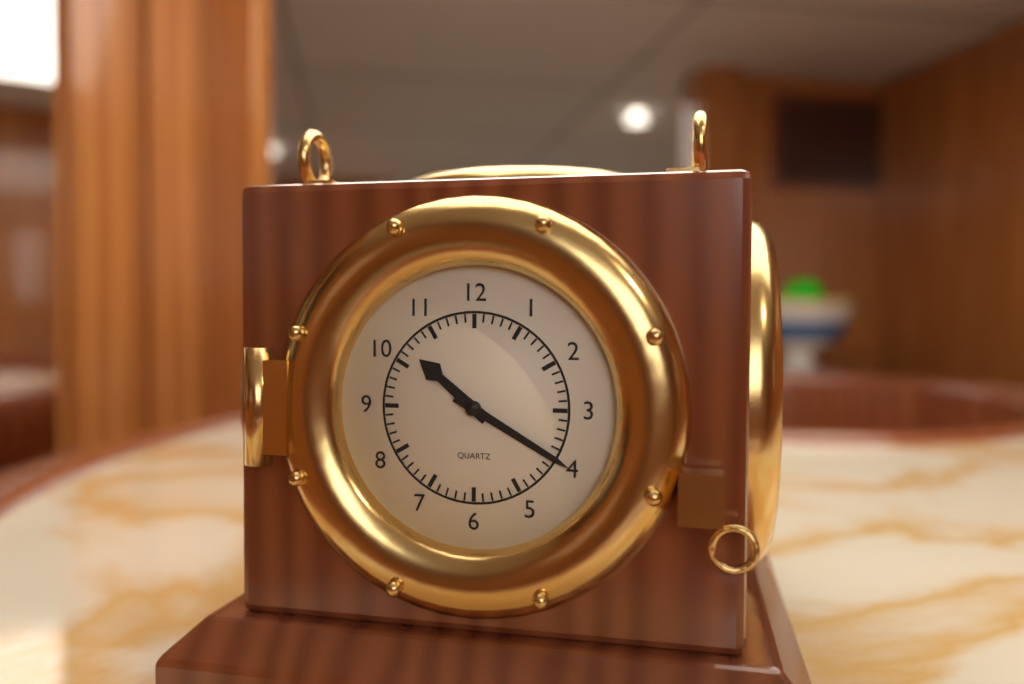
10:20
